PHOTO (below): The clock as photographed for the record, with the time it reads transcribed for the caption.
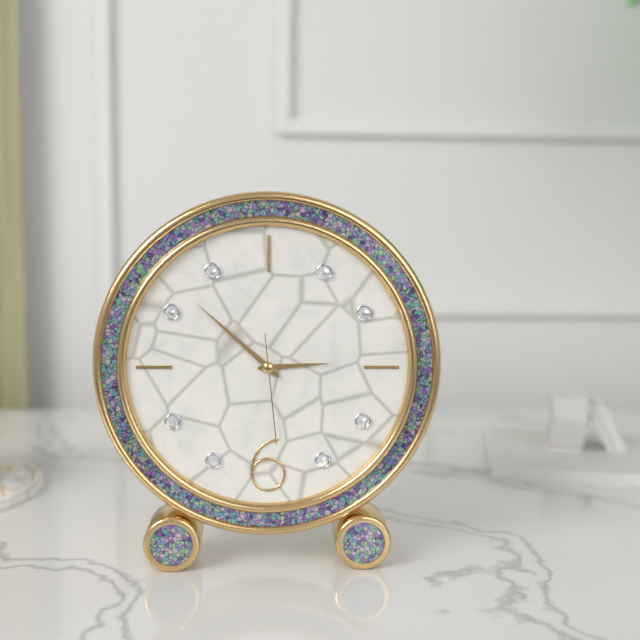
2:52:29
